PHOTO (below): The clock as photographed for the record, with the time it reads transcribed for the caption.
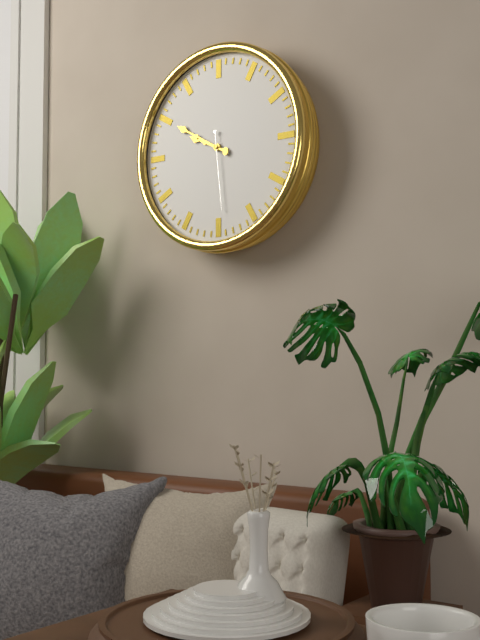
9:50:29
